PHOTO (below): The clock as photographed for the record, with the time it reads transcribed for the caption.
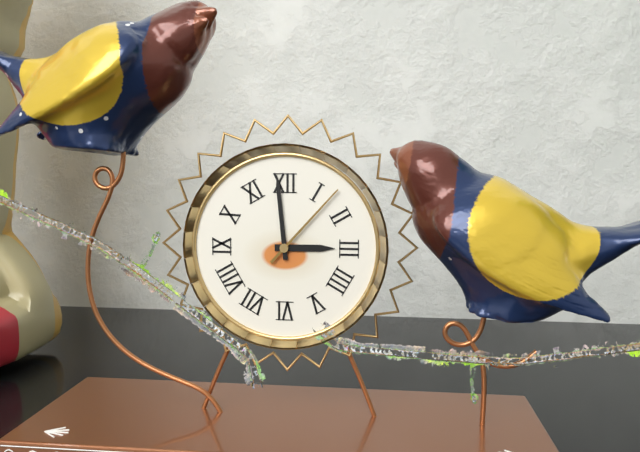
2:59:07
